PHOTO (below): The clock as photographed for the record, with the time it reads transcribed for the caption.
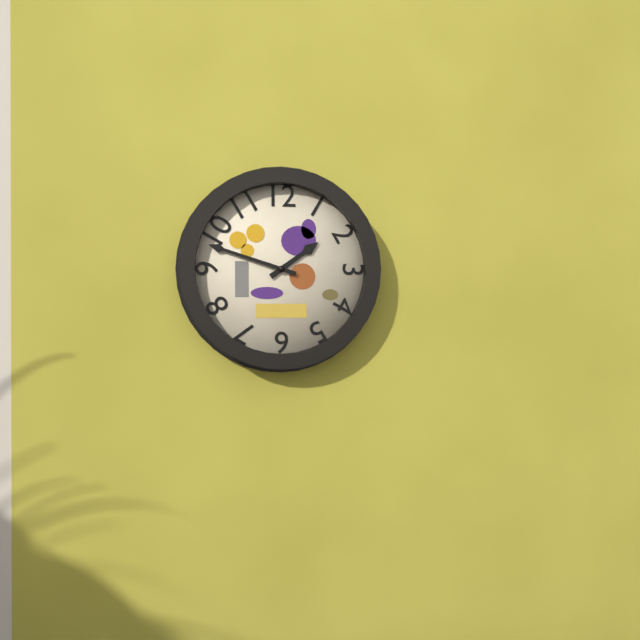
1:48
